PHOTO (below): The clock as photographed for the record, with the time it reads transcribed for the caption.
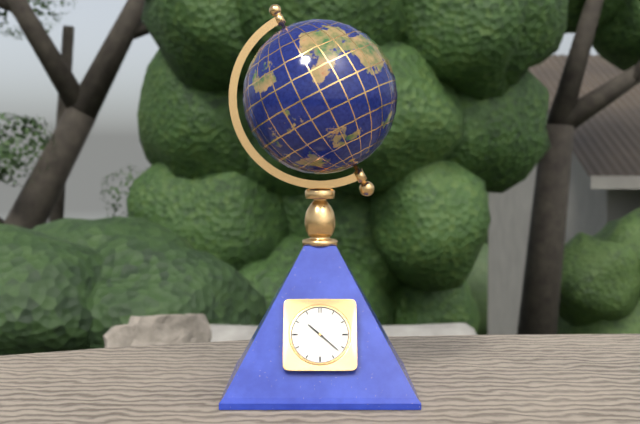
10:22
